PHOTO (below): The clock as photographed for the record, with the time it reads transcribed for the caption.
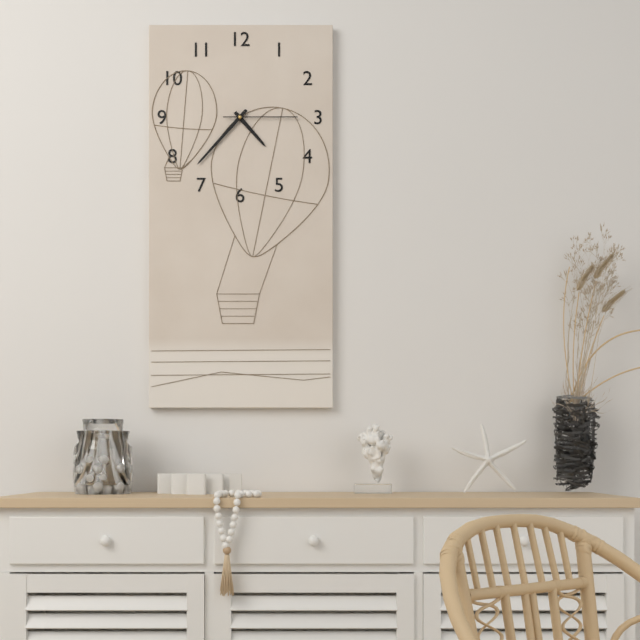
4:37:15
